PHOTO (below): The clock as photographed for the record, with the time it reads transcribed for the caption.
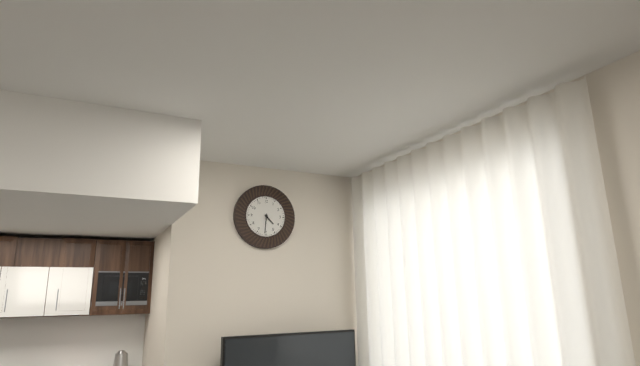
4:31
